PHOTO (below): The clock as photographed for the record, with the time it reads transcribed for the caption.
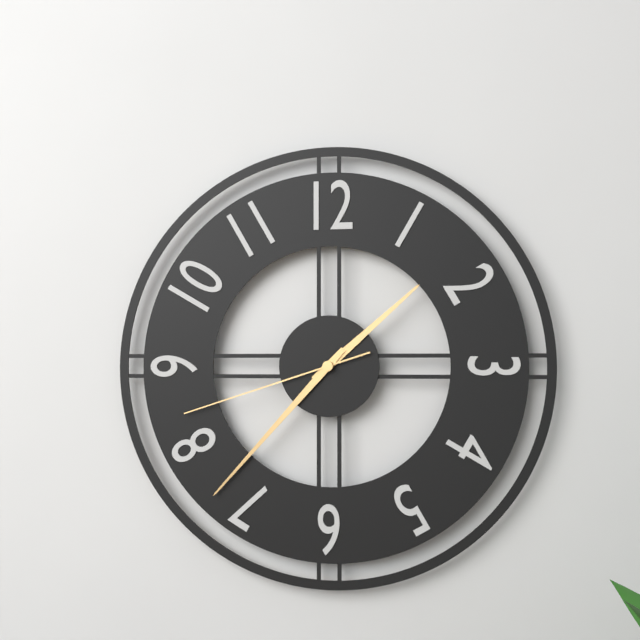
1:37:42
